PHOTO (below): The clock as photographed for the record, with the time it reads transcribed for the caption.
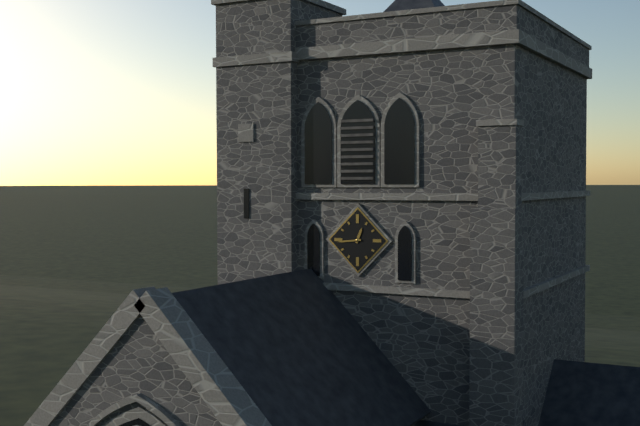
12:44
